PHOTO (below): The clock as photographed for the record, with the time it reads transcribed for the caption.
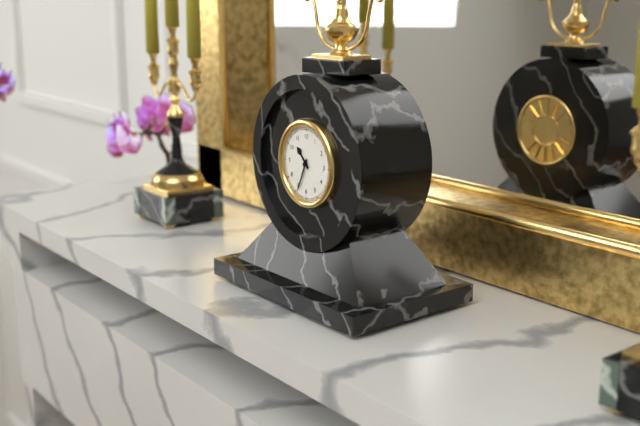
10:34
